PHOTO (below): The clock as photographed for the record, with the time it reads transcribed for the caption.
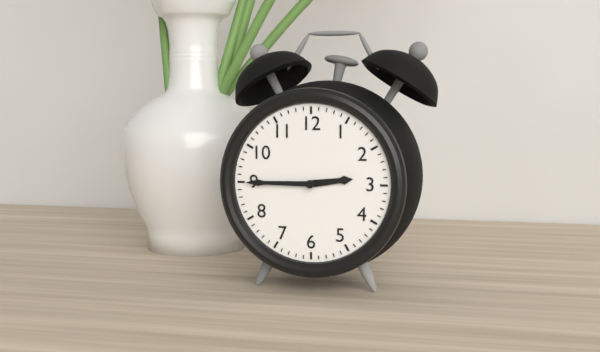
2:45
